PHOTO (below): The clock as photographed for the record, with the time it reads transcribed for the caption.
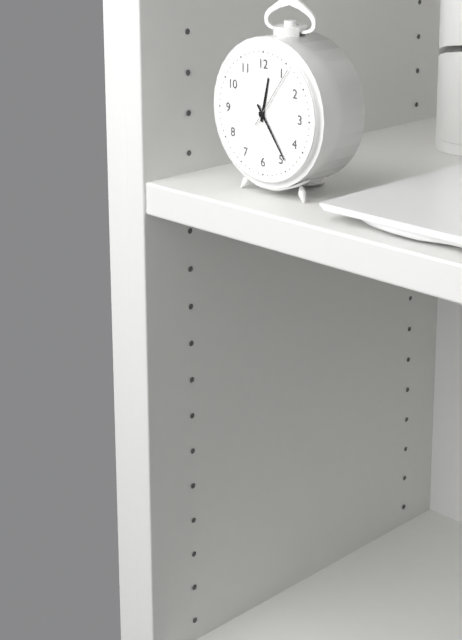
12:24:06
